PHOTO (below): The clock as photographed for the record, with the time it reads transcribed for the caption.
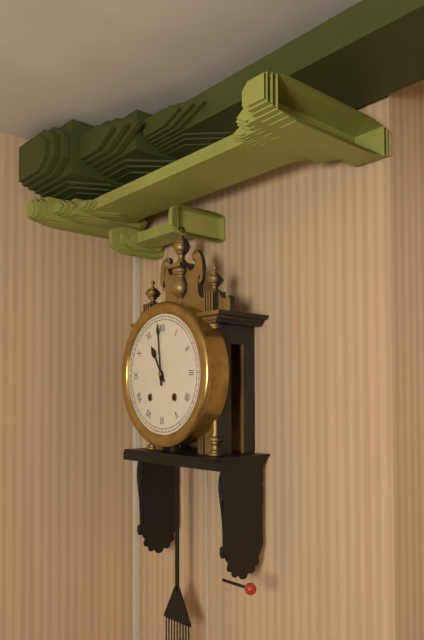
10:59
